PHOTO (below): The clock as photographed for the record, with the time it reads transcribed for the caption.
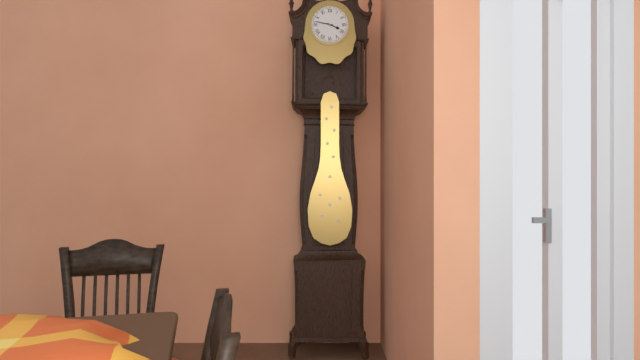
3:47
